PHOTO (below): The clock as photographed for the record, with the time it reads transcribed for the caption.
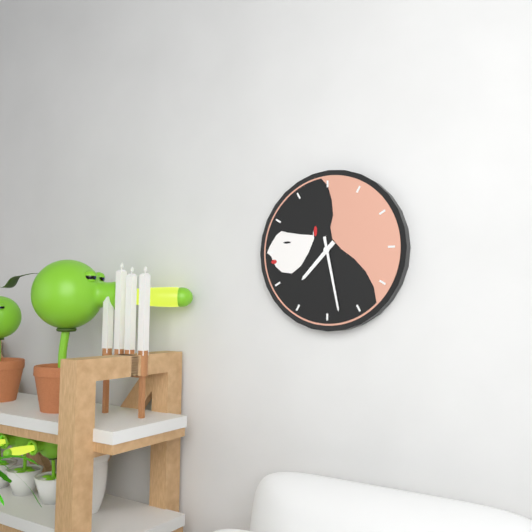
7:28
